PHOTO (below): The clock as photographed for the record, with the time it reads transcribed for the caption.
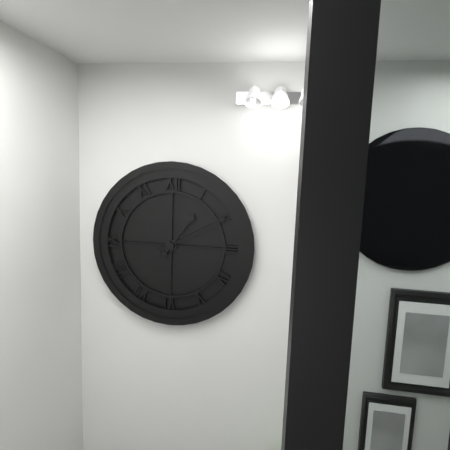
1:10
